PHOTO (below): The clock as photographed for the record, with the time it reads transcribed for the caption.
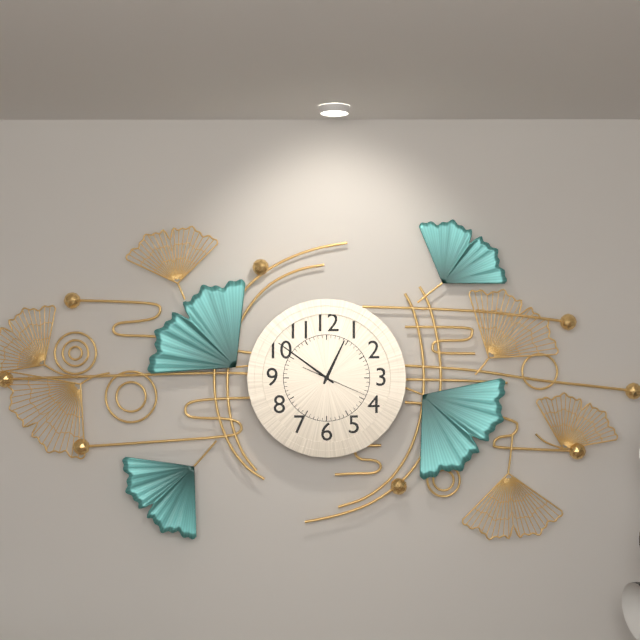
12:51:19
